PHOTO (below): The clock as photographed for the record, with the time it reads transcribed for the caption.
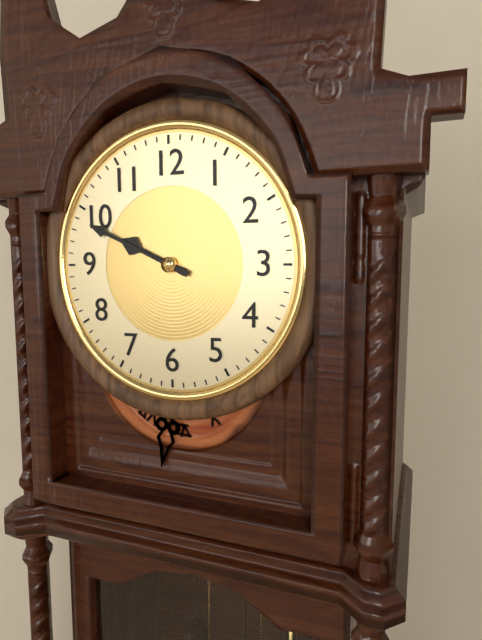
9:49
